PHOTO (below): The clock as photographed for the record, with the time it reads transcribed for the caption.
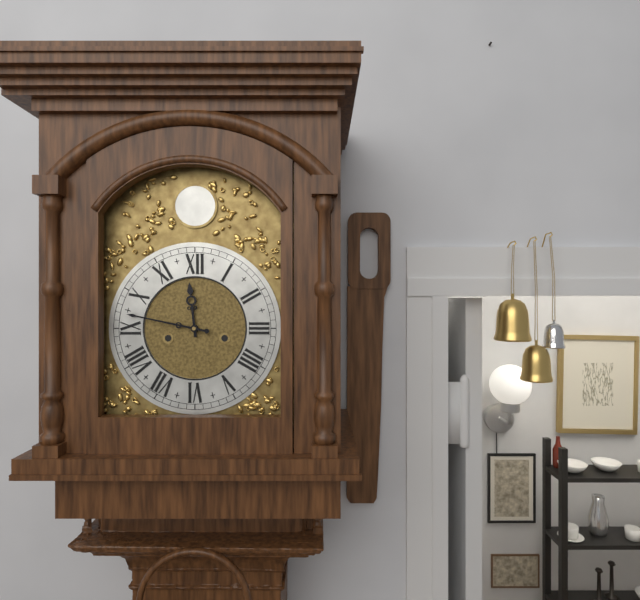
11:47
